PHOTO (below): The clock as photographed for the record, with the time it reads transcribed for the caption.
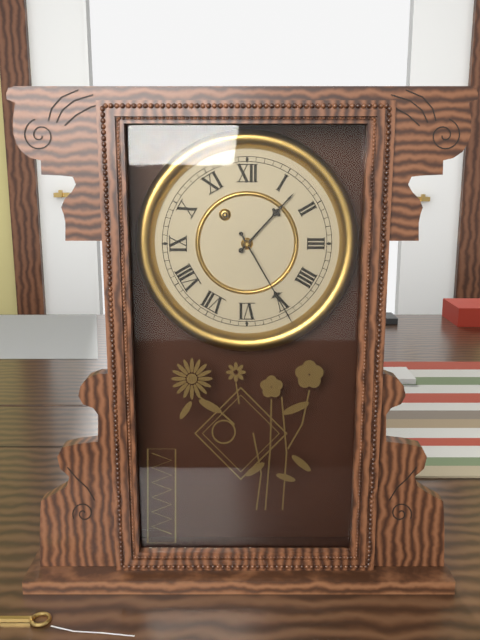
1:25
